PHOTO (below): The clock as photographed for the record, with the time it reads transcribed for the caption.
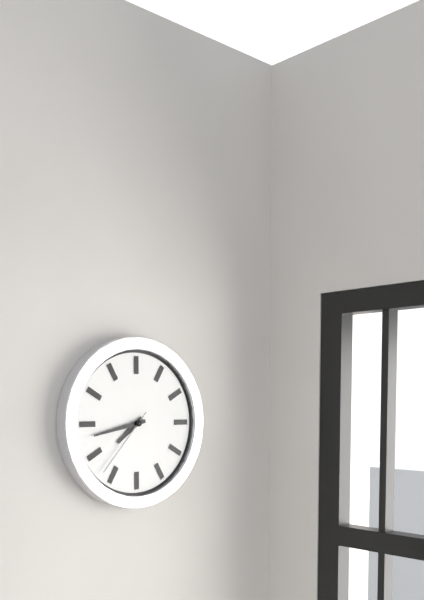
7:43:37
